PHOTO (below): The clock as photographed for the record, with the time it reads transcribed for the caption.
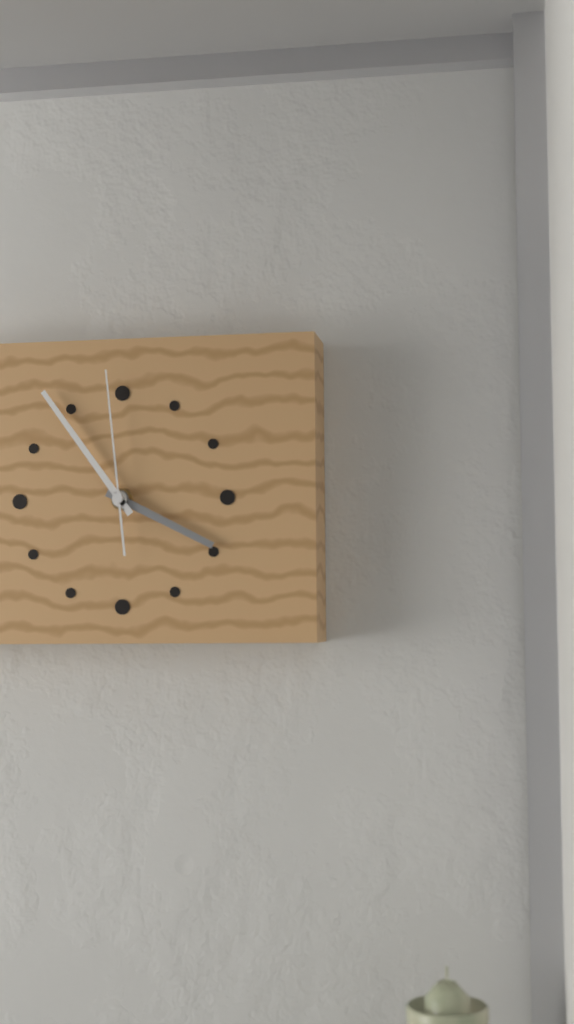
3:54:59
